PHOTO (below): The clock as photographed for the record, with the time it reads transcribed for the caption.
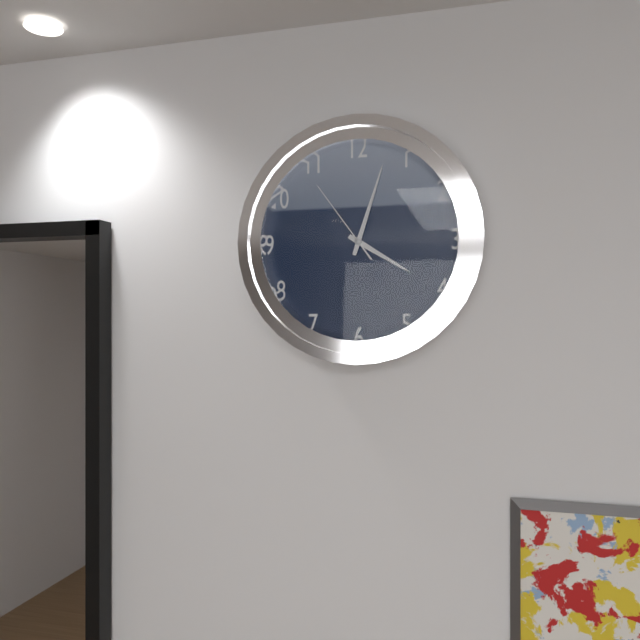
4:03:54
